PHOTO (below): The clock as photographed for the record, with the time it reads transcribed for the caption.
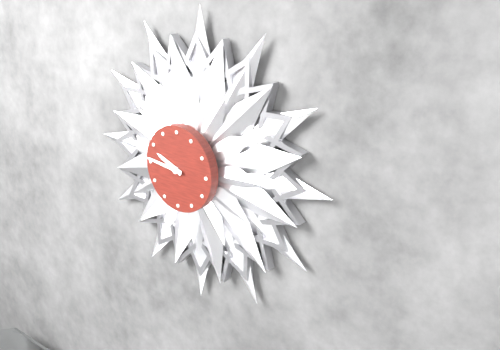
9:46
